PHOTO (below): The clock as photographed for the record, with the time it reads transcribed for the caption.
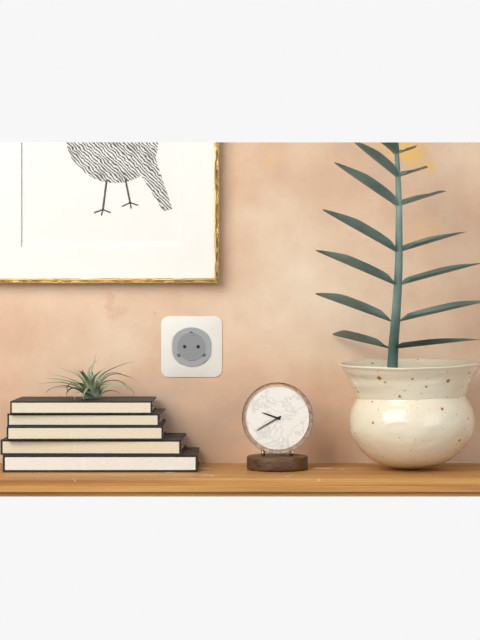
9:40
